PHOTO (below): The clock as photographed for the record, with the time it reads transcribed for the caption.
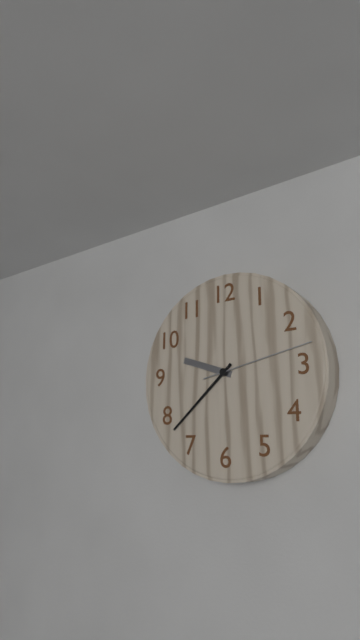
9:38:13
